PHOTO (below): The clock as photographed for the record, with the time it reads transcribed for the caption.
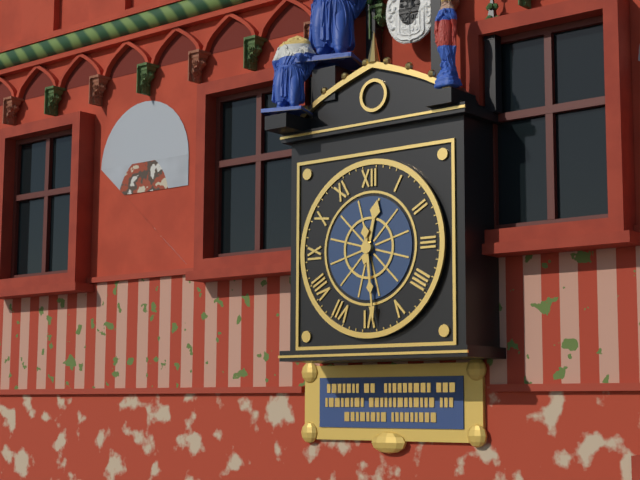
12:29
